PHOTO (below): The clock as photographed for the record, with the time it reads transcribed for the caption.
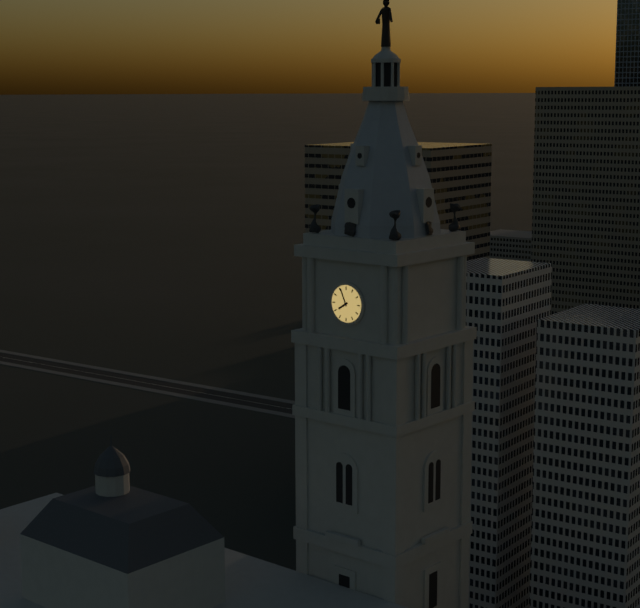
7:56
